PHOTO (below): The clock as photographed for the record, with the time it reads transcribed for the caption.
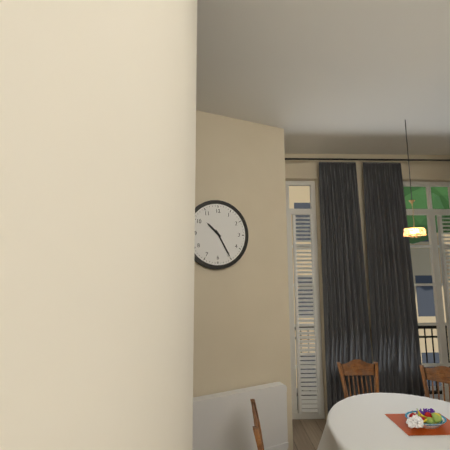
10:25
